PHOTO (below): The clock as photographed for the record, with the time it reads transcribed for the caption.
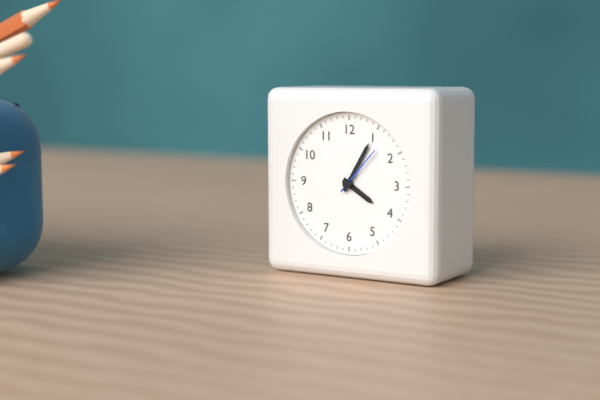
4:05:07
